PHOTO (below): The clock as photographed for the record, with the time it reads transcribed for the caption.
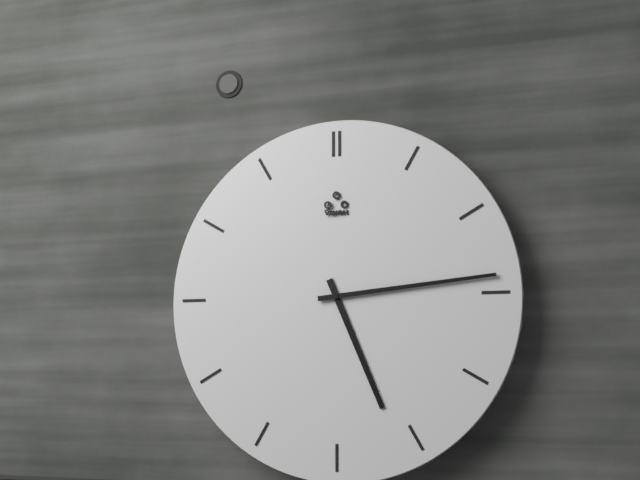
5:14
